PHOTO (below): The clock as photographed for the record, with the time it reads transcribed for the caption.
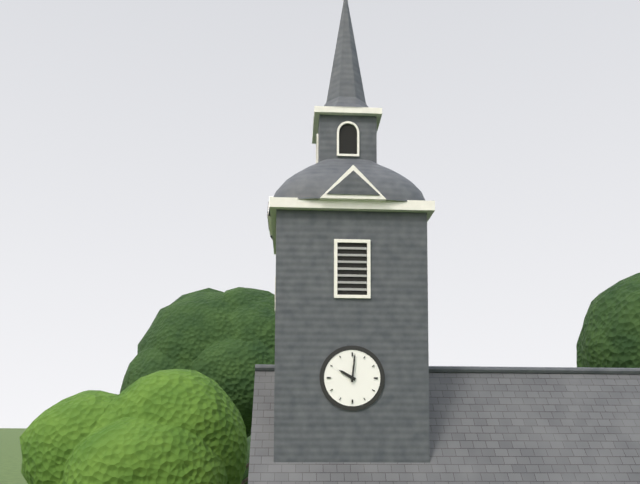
10:01
